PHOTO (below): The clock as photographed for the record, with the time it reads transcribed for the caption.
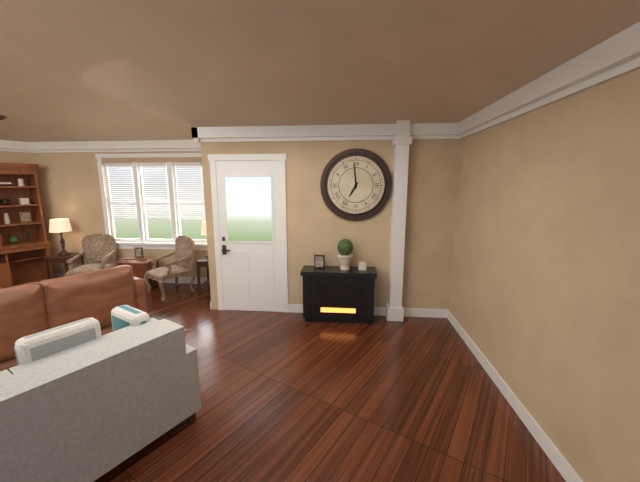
6:59
